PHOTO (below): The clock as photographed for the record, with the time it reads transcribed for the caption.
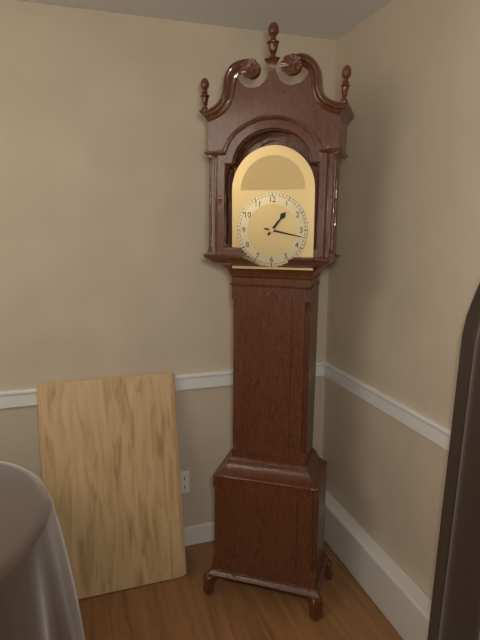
1:17
